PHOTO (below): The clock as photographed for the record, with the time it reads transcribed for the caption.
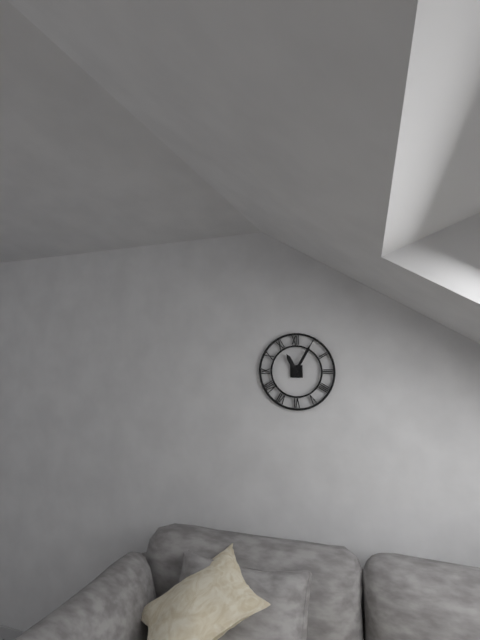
11:05
